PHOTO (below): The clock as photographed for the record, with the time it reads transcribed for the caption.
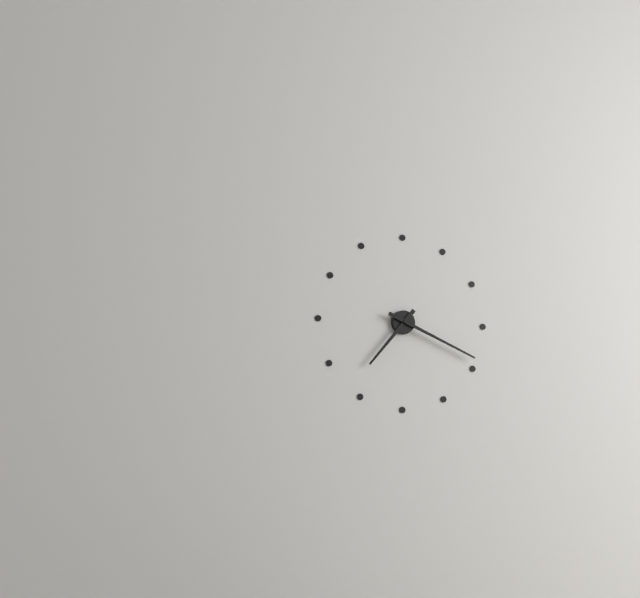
7:19
